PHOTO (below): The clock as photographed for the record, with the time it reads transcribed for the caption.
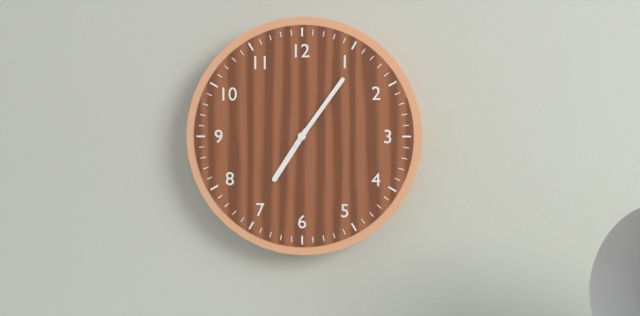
7:06
